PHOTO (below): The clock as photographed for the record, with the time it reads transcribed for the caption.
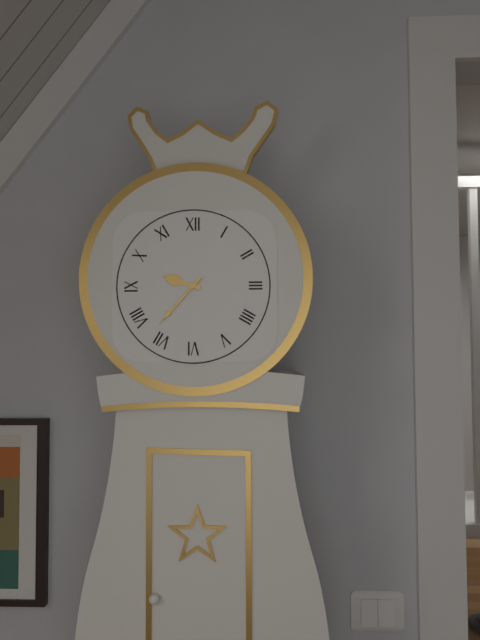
9:37
